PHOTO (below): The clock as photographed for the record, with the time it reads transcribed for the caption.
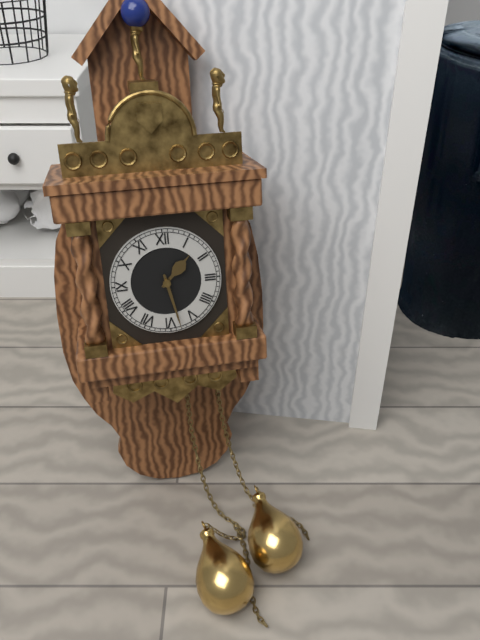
1:28
